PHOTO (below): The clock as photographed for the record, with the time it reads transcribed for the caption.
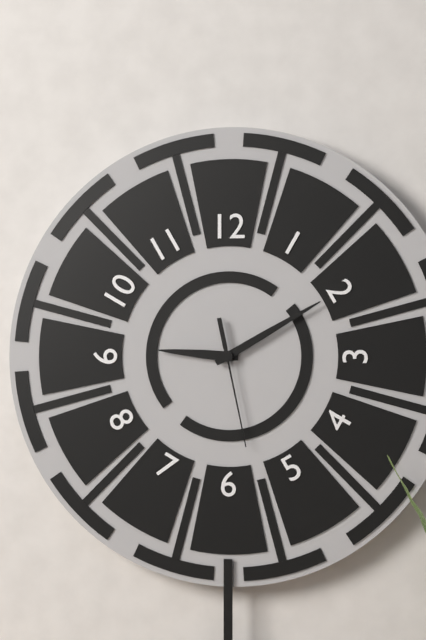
9:10:28
